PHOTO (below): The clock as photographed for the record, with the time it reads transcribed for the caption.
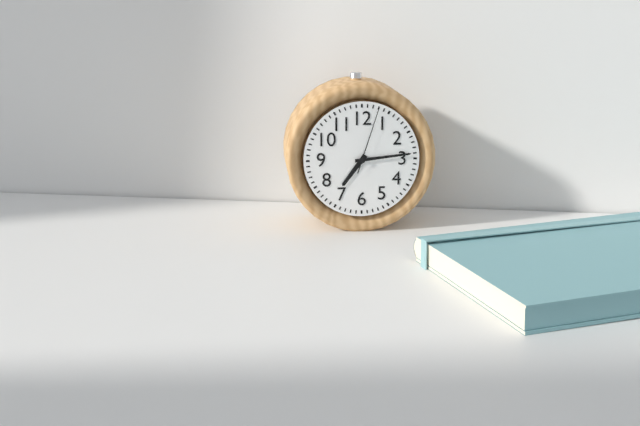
7:14:03
